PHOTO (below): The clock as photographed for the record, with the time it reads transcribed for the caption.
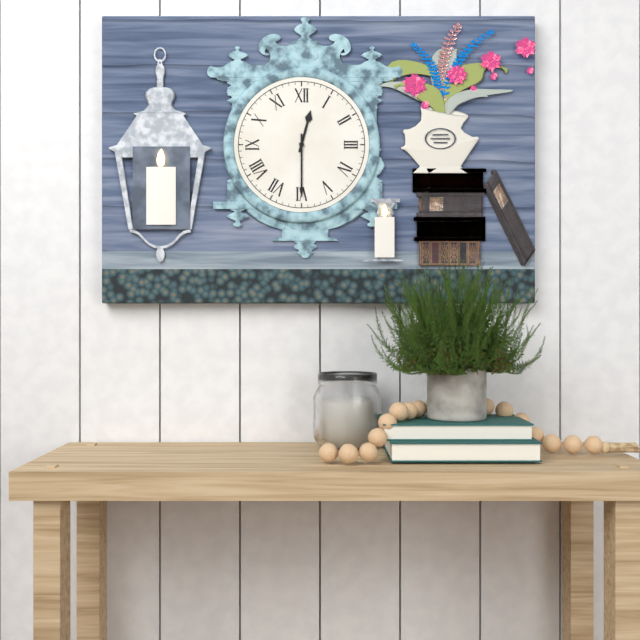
12:30
